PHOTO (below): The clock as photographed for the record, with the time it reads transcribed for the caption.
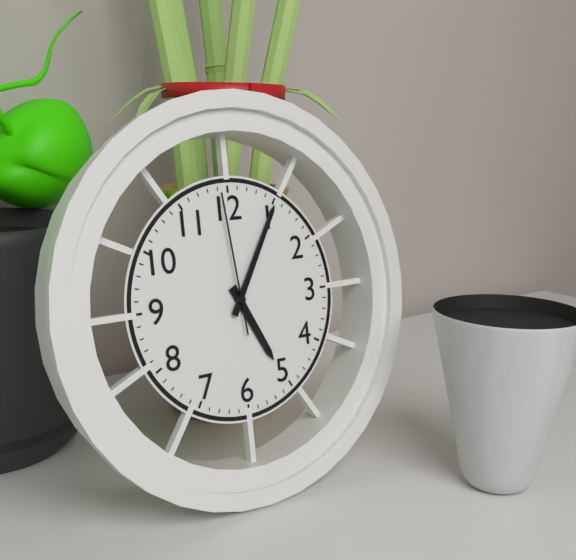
5:05:59
